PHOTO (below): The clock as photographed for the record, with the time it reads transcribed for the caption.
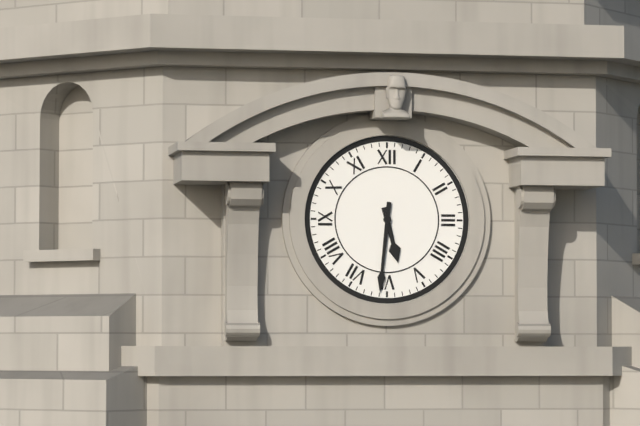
5:31
